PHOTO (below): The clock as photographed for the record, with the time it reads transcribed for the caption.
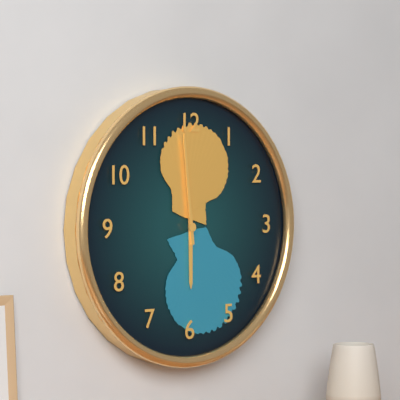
5:59
